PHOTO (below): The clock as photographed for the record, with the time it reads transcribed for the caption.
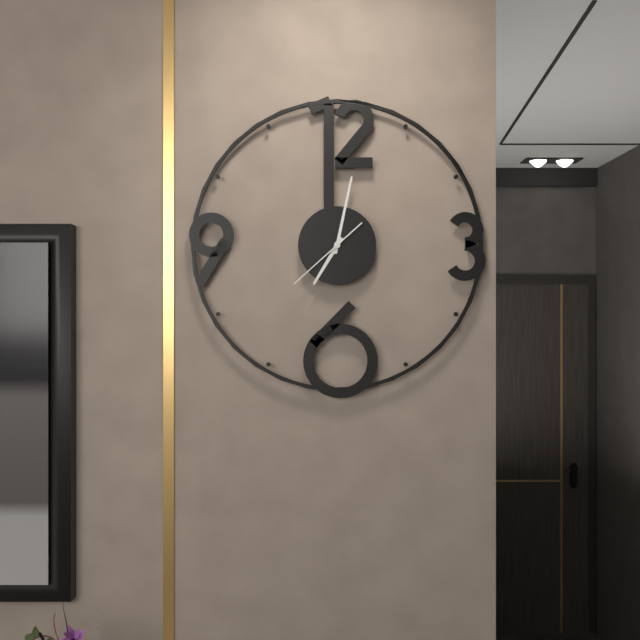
7:02:38
